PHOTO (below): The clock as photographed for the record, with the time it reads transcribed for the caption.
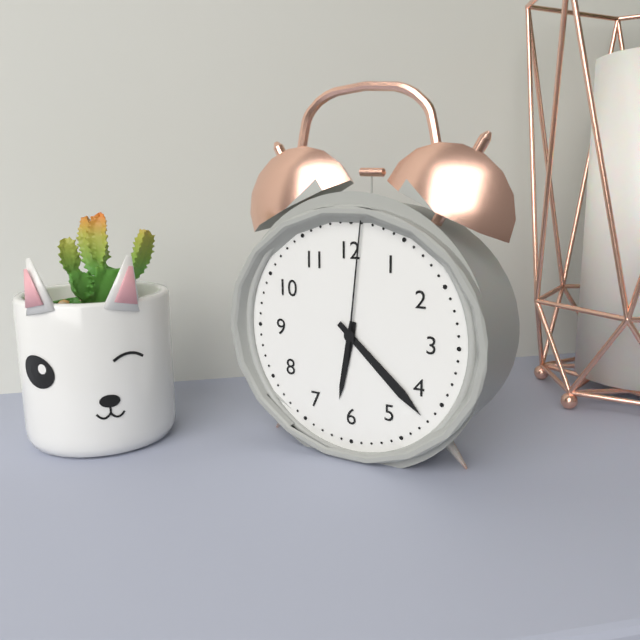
6:22:01
